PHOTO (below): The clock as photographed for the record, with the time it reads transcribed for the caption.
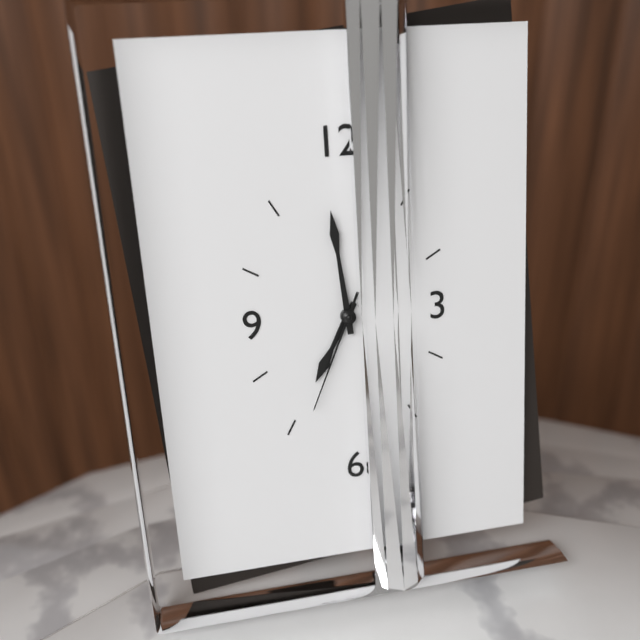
6:59:34
